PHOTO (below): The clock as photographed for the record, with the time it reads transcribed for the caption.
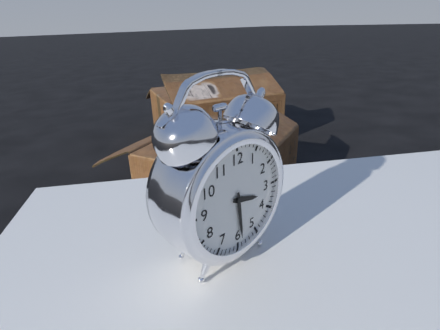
3:29
